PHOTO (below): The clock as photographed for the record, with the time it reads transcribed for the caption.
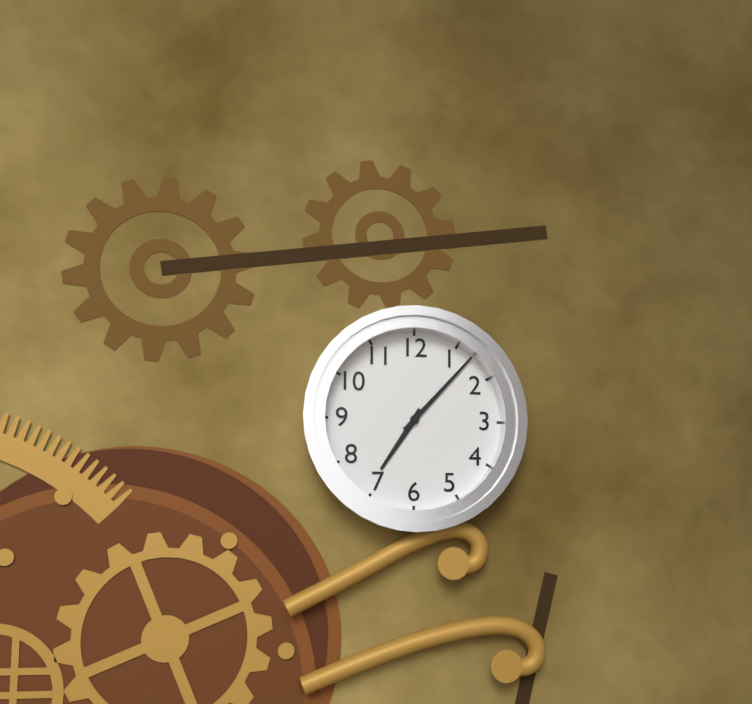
7:07
